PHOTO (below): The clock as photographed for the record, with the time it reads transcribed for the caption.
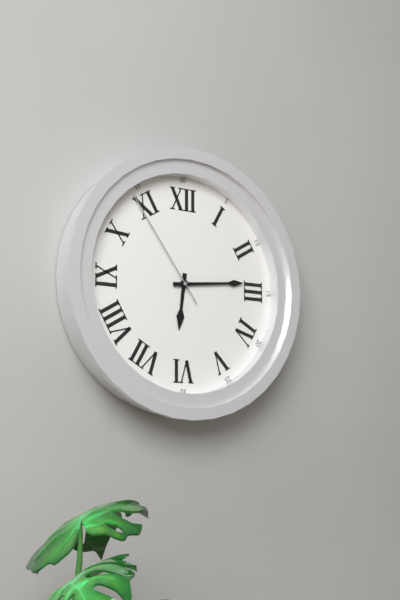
6:14:54
